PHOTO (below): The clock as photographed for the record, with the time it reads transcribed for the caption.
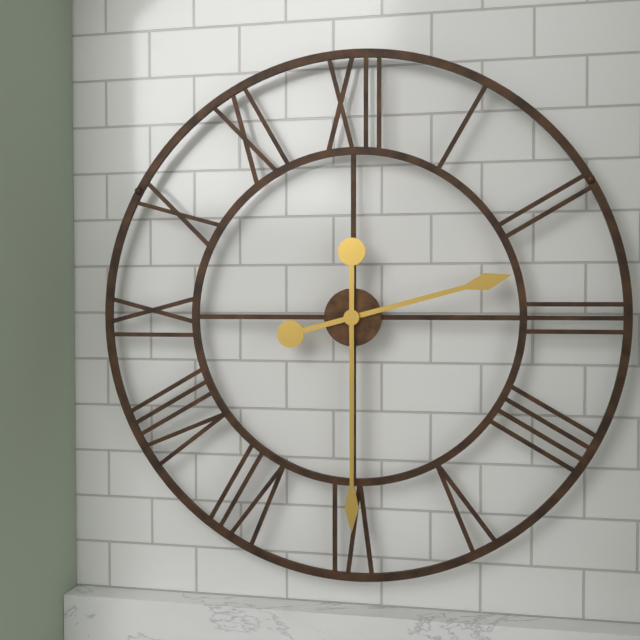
2:30
